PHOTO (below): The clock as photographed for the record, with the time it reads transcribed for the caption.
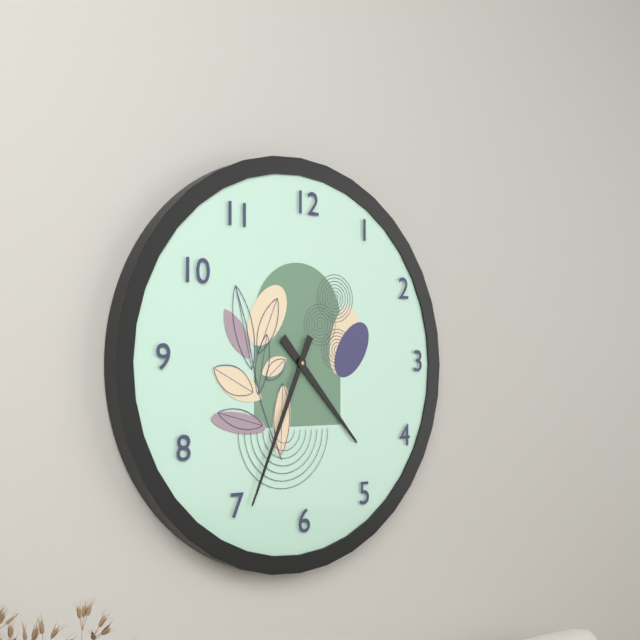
4:34
